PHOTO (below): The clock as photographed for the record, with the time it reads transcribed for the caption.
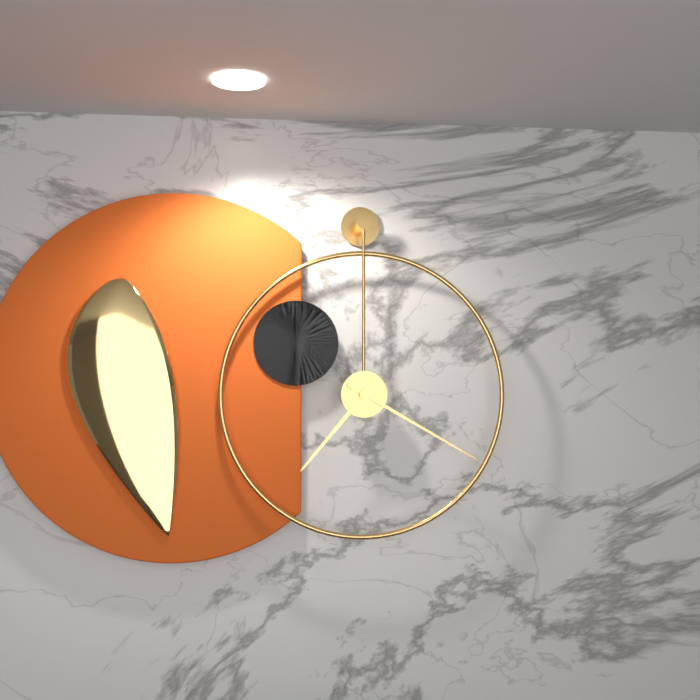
7:20
